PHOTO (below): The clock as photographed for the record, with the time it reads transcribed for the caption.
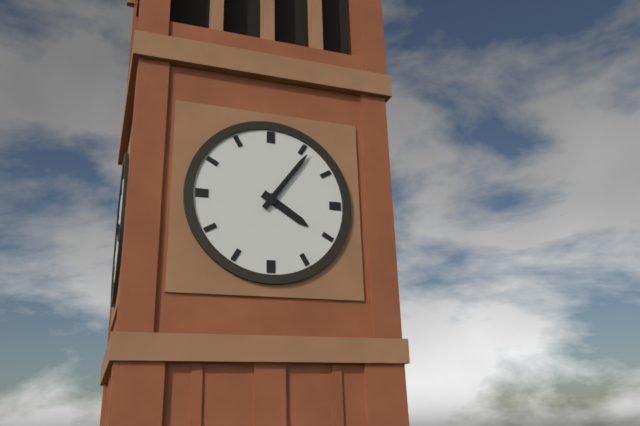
4:06
